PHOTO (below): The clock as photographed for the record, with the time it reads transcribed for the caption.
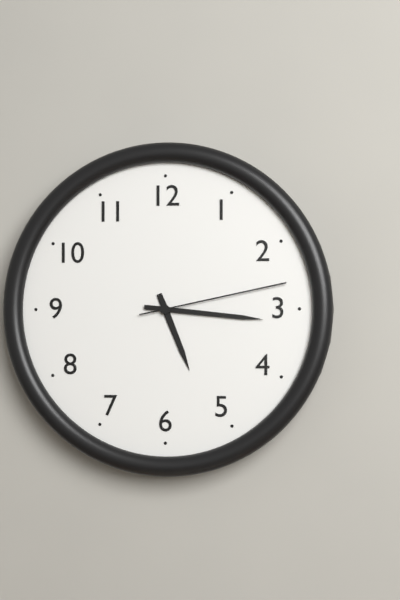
5:16:13
